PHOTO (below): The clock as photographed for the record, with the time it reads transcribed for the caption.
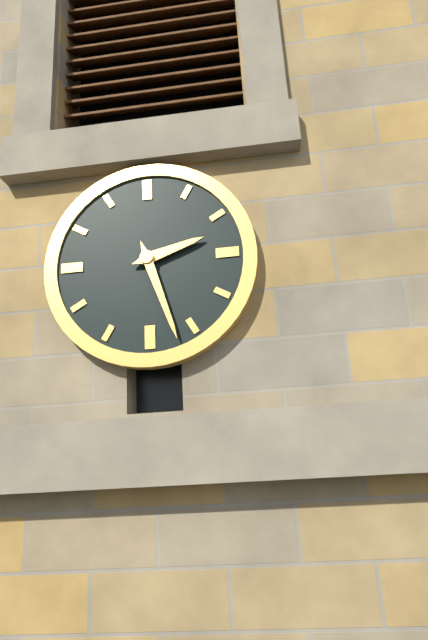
2:27
